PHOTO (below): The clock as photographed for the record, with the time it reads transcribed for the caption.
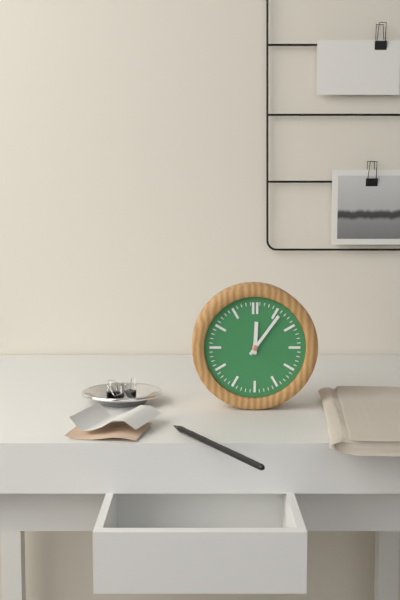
12:06
